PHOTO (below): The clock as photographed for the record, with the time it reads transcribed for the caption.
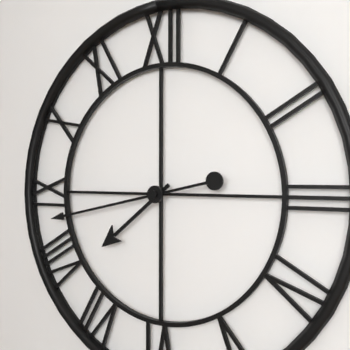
7:43
